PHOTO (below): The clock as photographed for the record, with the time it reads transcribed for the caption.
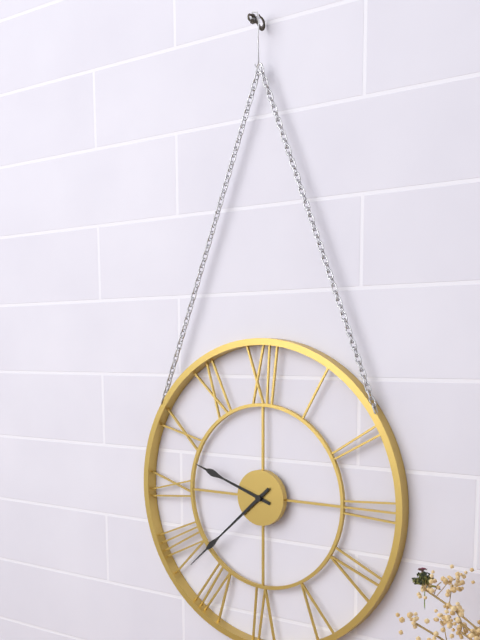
9:38
